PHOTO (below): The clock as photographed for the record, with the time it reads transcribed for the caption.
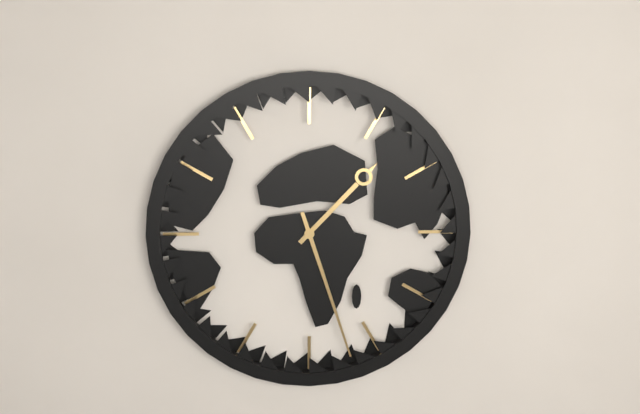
1:27
